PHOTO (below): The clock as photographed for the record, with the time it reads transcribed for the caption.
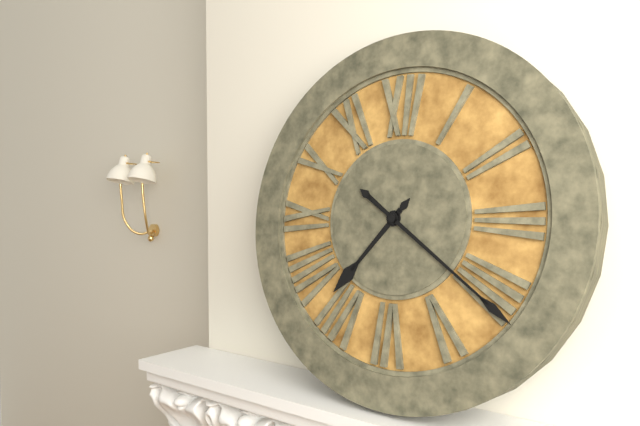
7:21
